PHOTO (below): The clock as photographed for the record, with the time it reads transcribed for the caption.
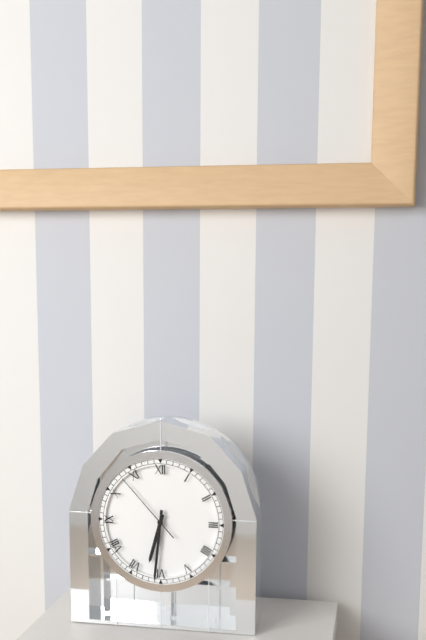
6:31:53
